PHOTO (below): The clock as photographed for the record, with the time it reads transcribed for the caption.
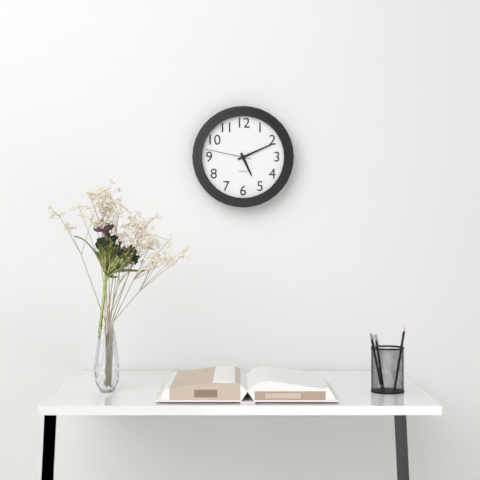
5:11
